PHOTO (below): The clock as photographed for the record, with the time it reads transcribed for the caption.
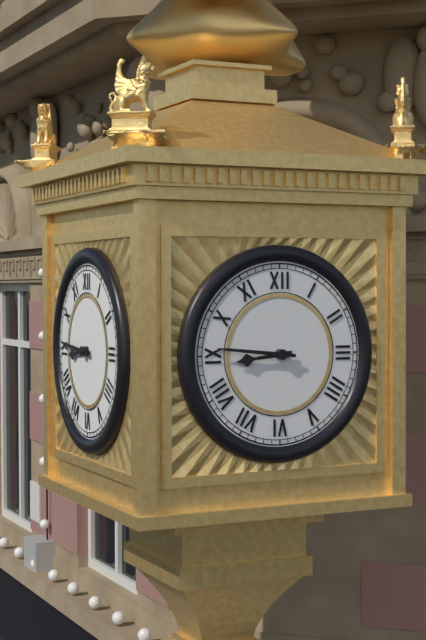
8:46
